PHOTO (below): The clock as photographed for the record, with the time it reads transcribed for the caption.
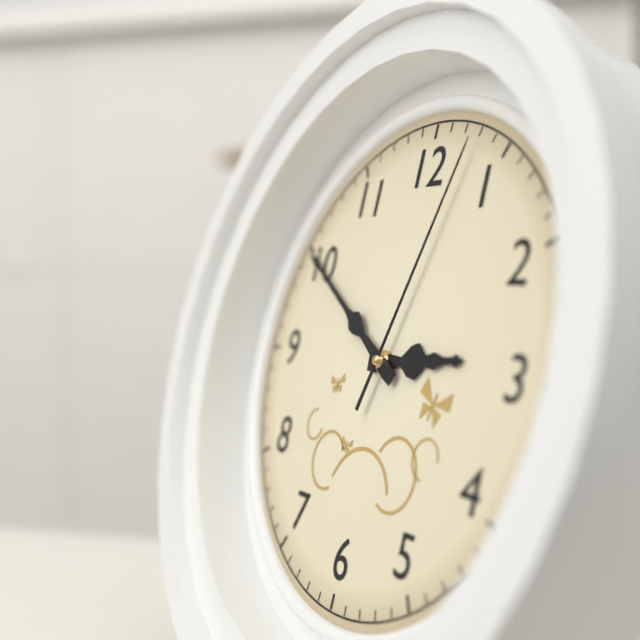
2:50:03
